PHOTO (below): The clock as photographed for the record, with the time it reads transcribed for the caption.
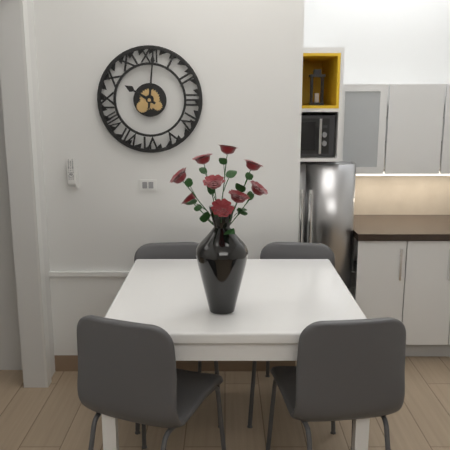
10:01
